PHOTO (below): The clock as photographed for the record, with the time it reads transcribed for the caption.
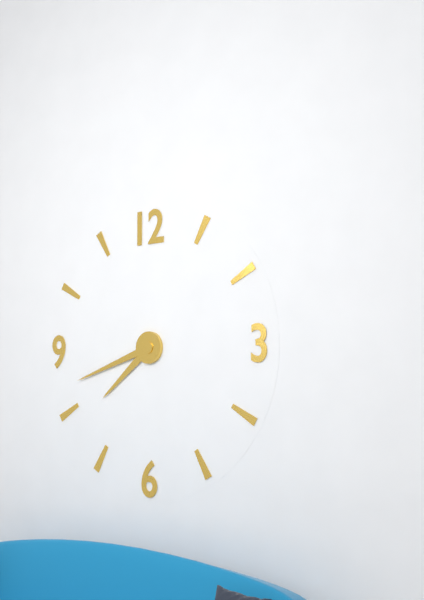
7:42
